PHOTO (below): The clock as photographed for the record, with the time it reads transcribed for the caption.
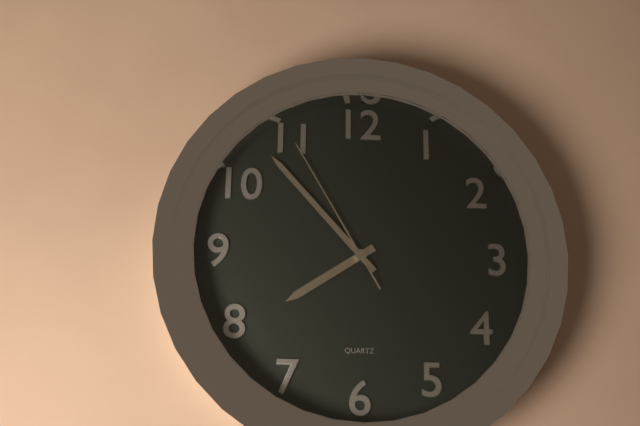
7:53:55
